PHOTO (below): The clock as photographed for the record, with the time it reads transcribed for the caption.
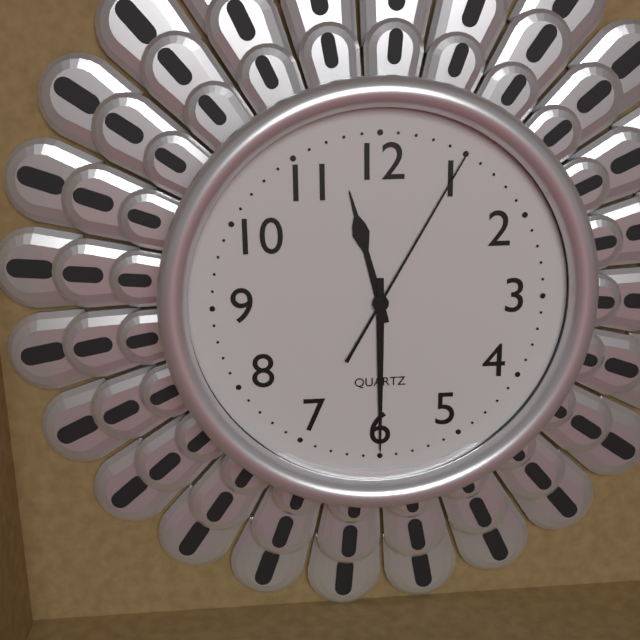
11:30:05
